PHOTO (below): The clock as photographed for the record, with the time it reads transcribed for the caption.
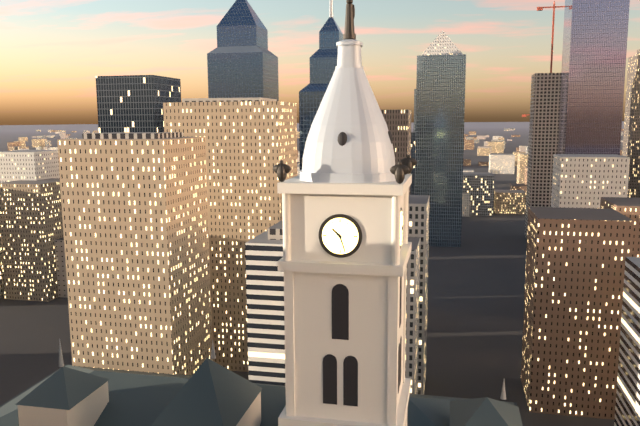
10:27
